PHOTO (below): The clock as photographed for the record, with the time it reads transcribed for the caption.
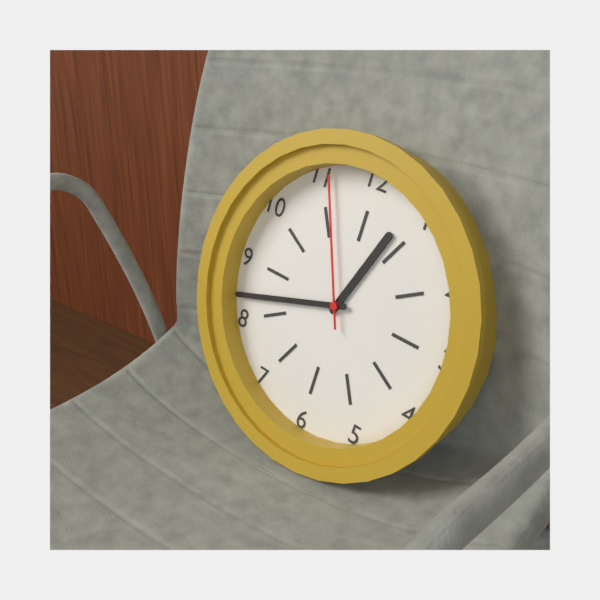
12:42:56
